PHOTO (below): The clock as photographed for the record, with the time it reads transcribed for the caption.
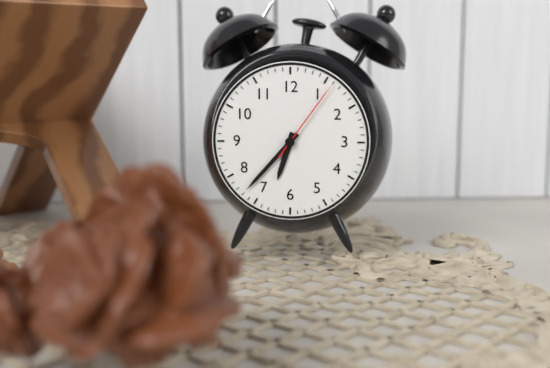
6:37:06
